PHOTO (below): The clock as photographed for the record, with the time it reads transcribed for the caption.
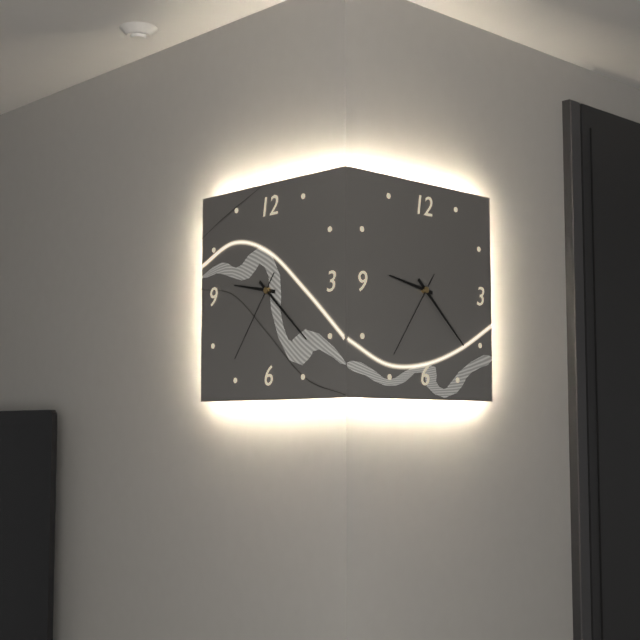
9:22:36
